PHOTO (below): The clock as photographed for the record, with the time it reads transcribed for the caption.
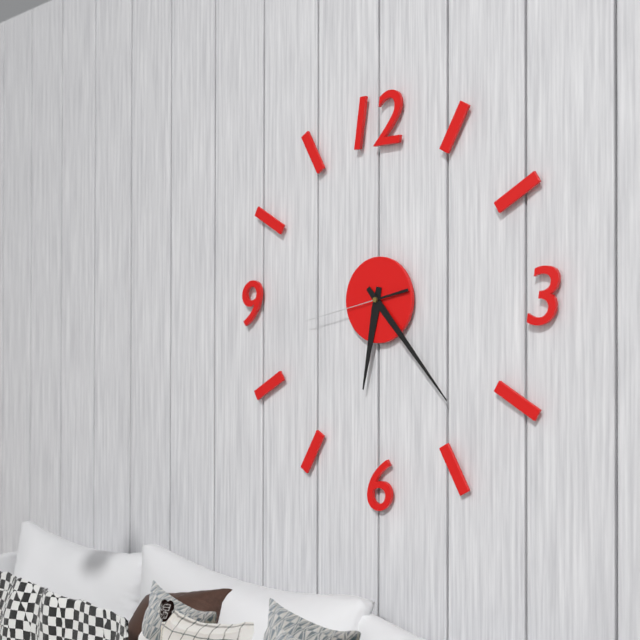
6:23:43
